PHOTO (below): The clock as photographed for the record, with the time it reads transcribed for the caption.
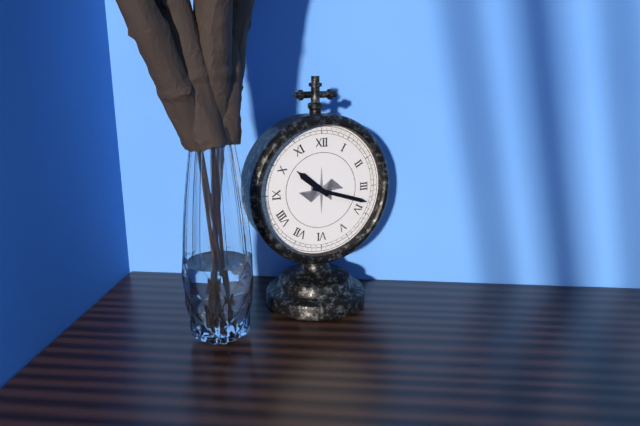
10:18
